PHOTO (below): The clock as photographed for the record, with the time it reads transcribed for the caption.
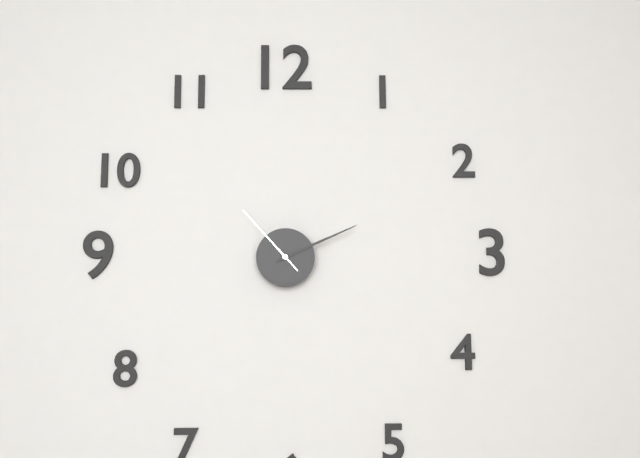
2:11:53
